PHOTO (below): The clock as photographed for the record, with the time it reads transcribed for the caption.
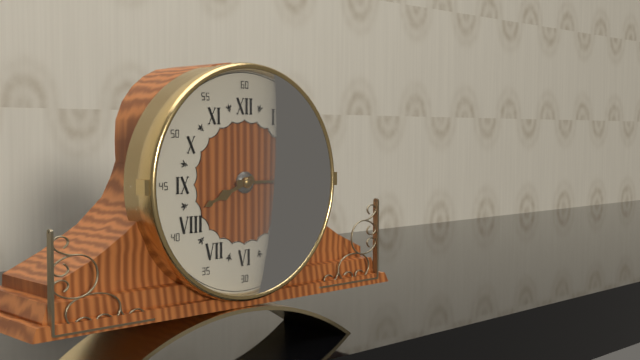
8:15
